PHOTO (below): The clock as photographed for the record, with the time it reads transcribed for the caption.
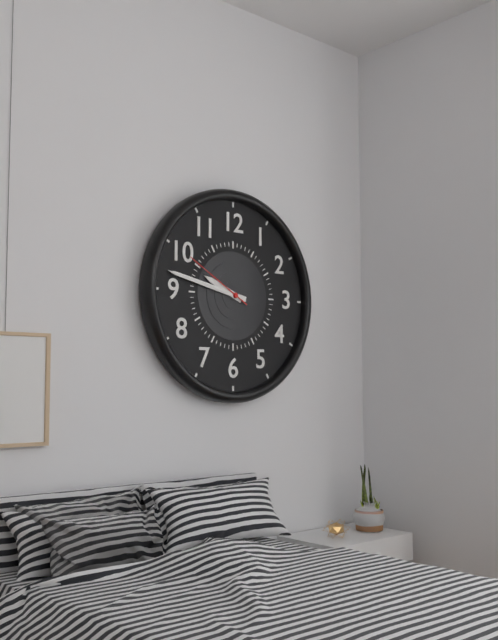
9:47:50
